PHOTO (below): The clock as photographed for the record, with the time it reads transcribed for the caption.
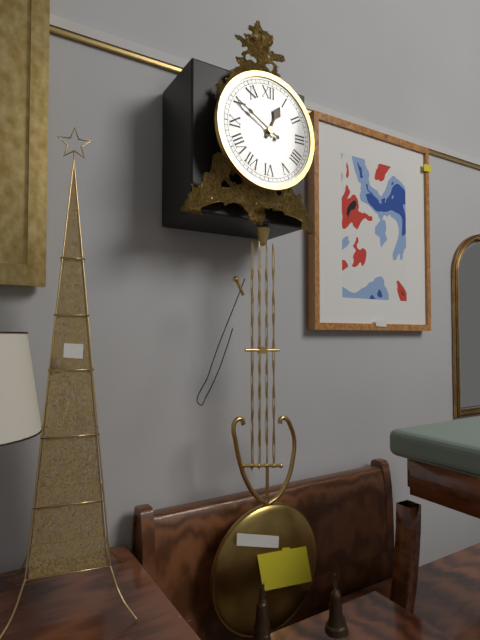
12:50
